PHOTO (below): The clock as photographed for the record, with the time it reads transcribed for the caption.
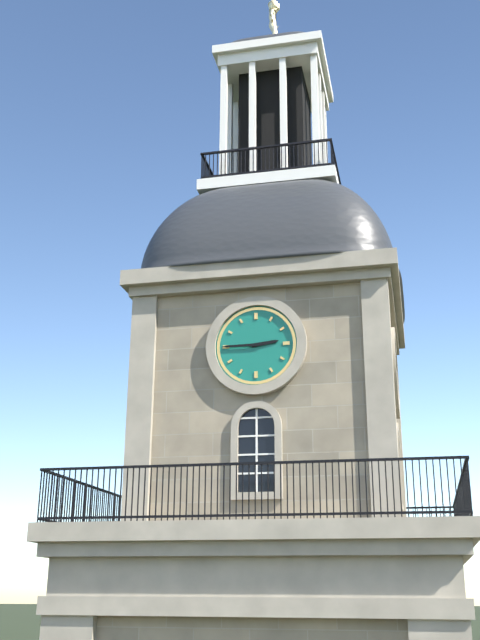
2:45
